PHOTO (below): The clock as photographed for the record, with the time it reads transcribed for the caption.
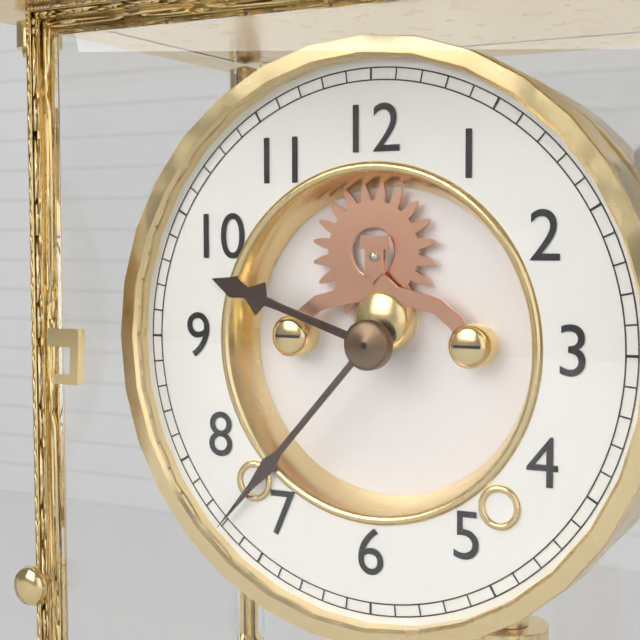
9:37
